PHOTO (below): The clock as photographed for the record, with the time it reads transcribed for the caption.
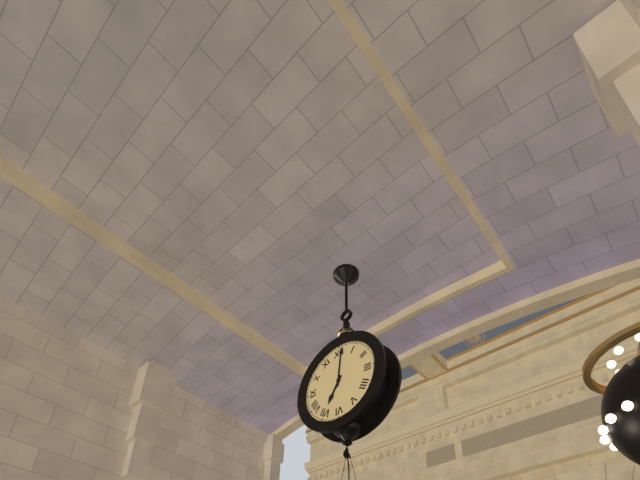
7:01
